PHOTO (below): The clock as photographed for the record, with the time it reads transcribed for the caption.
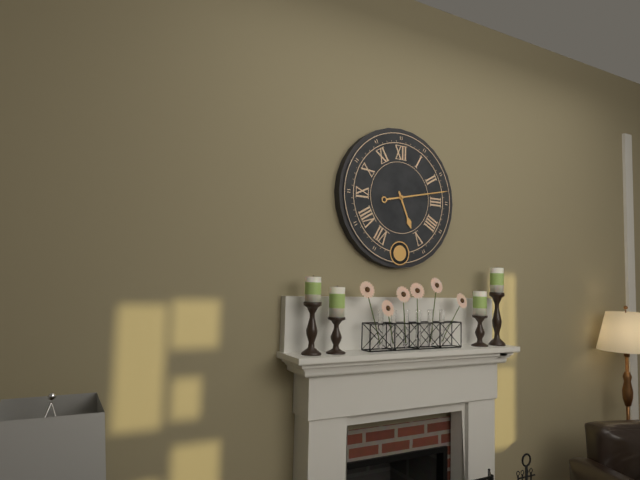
5:13
